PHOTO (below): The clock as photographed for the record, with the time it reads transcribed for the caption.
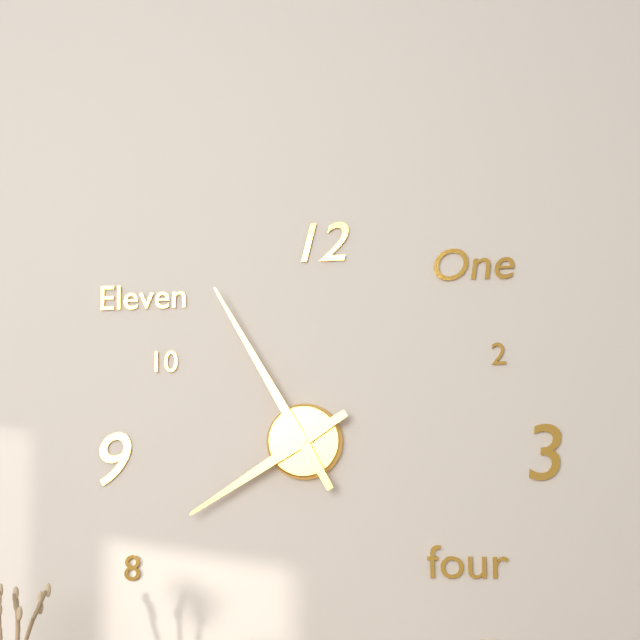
7:55
